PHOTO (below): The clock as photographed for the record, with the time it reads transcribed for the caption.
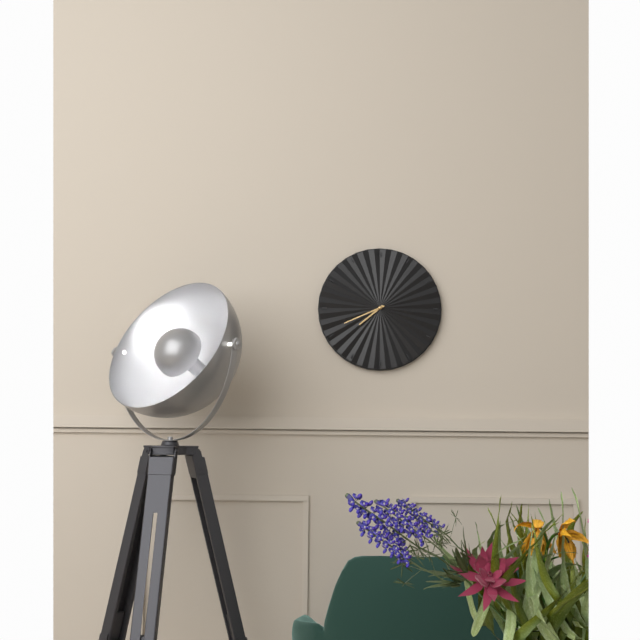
7:41
